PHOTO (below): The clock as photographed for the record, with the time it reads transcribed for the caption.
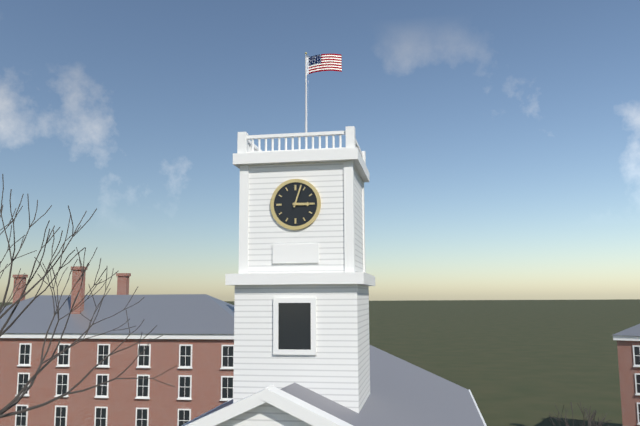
3:03
